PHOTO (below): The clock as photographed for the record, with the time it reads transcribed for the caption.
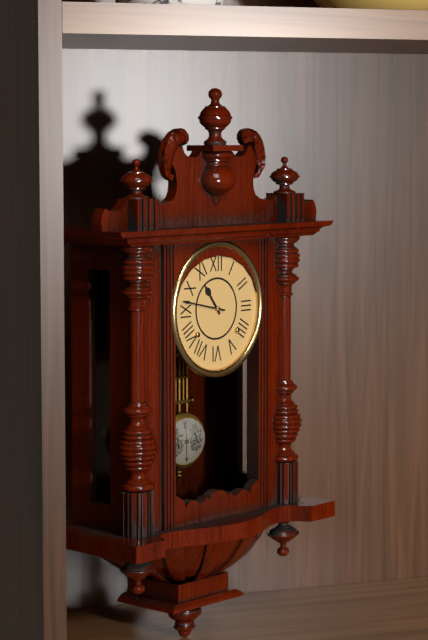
10:47
